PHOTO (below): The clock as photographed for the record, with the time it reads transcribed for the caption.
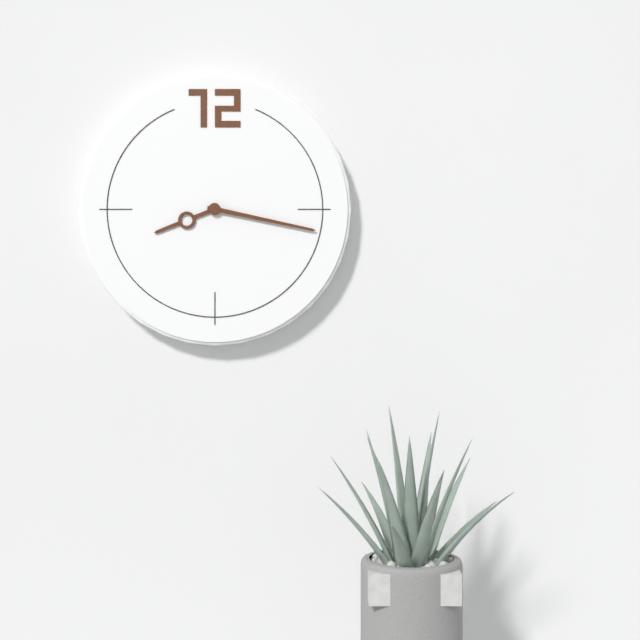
8:17
